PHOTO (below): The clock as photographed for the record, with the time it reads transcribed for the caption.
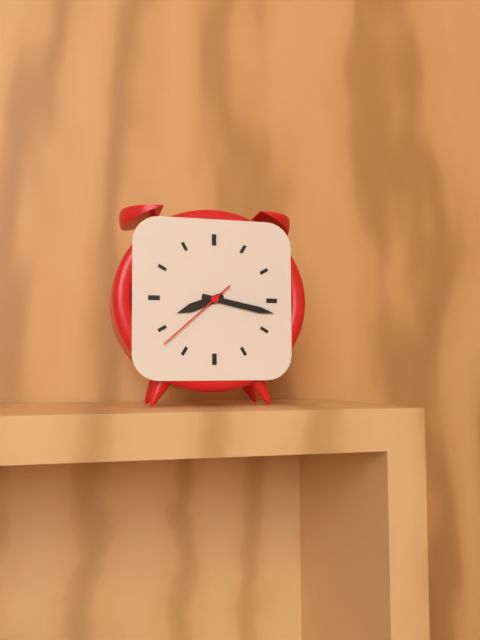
8:17:38
